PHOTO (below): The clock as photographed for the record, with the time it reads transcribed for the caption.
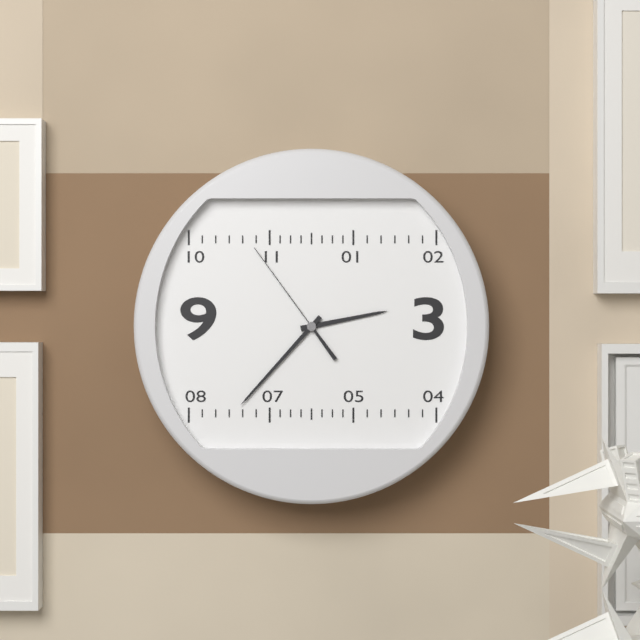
2:37:54
